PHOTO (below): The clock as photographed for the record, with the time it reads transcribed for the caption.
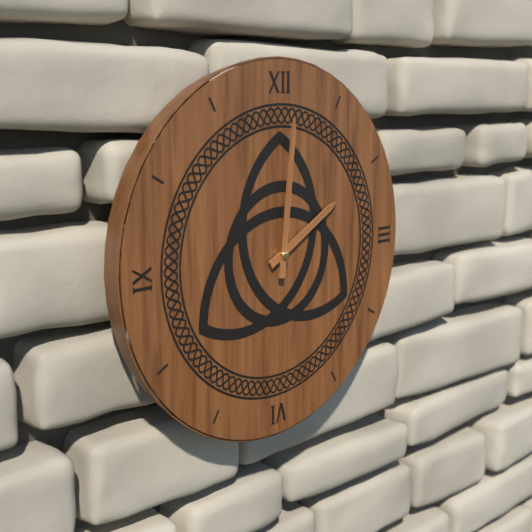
2:01
